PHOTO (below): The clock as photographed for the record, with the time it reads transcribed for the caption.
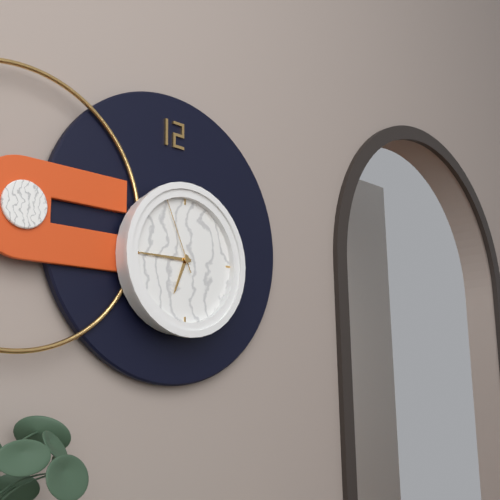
6:45:56
